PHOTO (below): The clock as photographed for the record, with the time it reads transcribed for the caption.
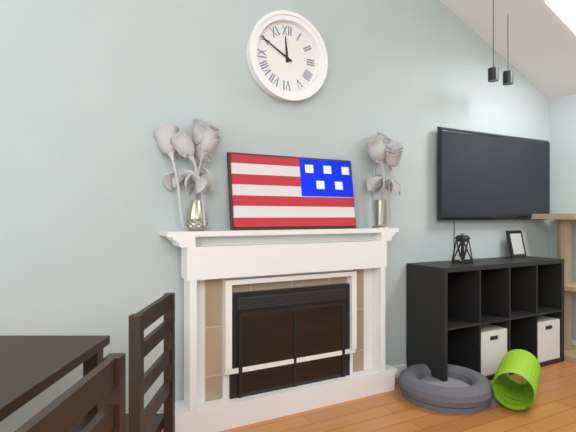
11:50
